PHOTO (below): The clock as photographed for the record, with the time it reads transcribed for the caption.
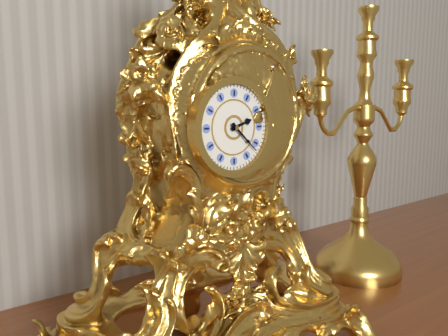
2:22
